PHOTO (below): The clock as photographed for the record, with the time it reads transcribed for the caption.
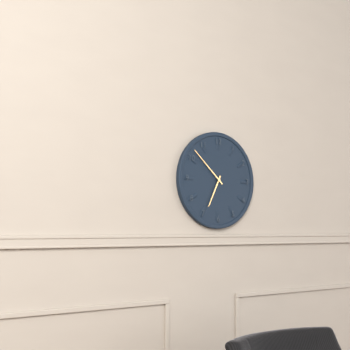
6:52
